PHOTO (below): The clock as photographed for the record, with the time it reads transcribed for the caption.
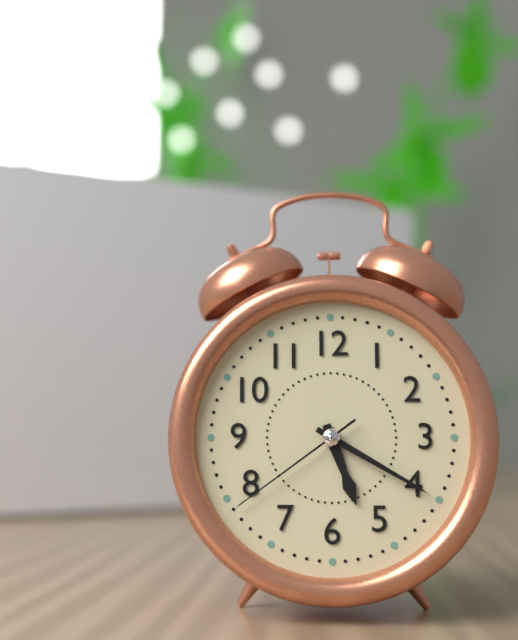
5:20:39
